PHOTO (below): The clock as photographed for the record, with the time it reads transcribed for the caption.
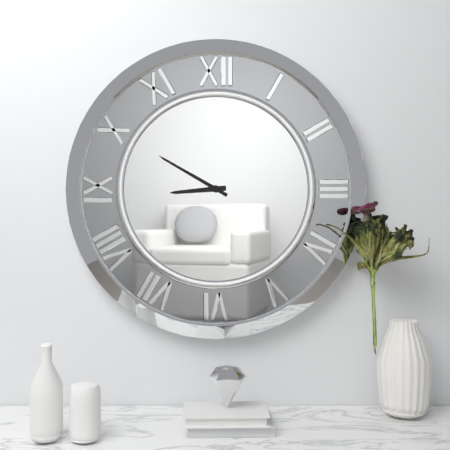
8:50
